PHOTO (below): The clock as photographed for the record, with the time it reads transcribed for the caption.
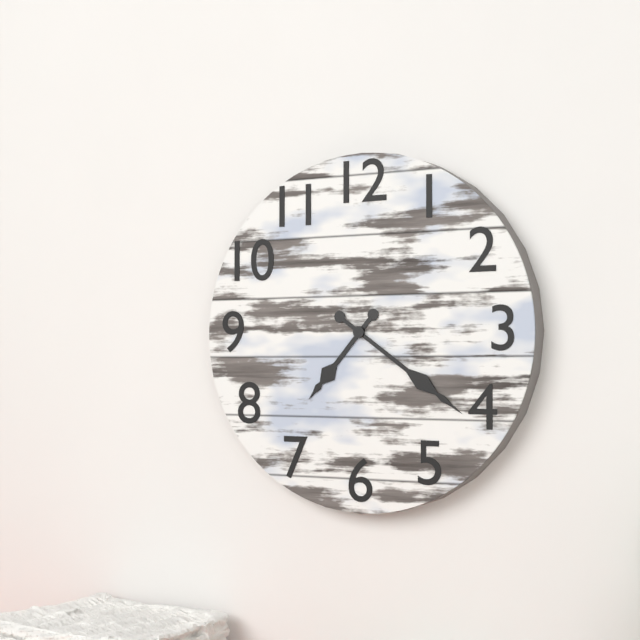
7:21
